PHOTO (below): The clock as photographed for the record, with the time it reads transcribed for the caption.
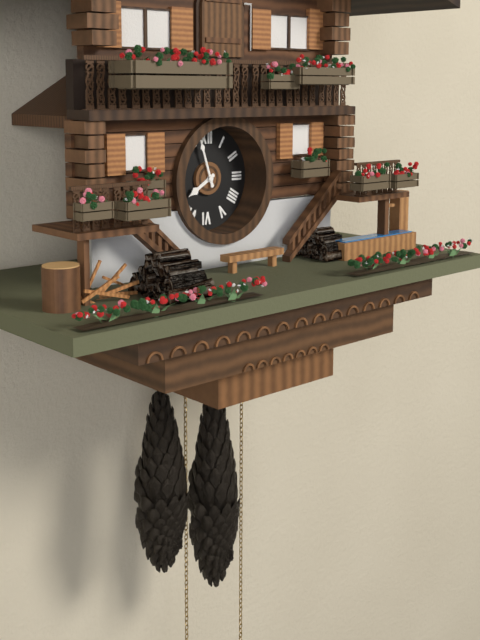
7:57
